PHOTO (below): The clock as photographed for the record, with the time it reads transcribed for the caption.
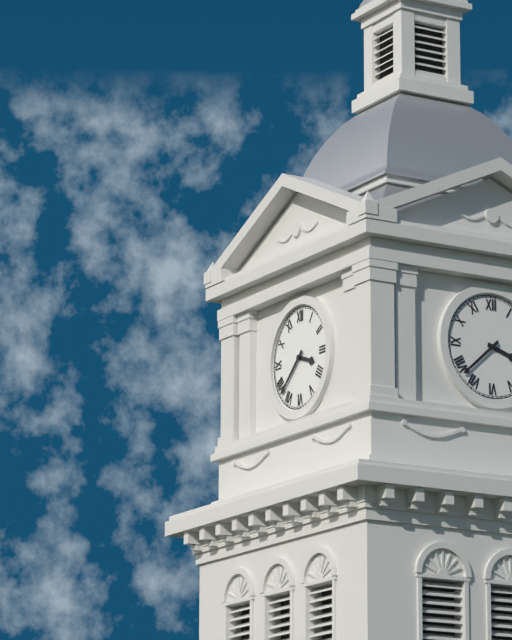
3:38
